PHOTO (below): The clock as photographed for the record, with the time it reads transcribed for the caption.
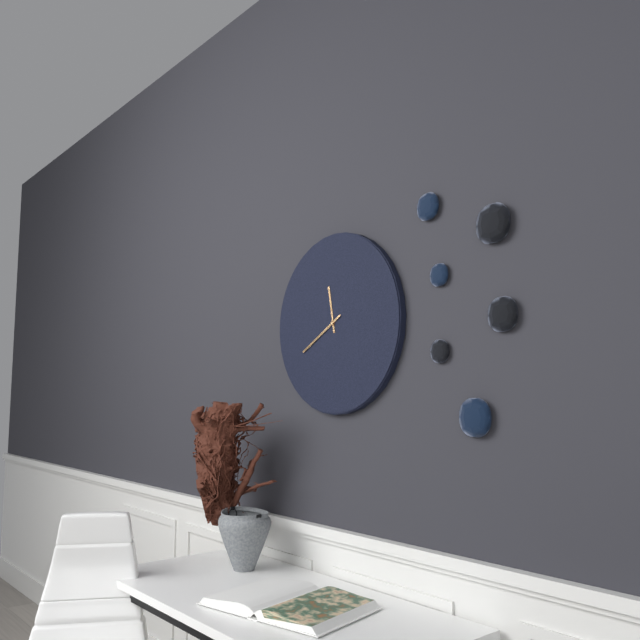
11:40
